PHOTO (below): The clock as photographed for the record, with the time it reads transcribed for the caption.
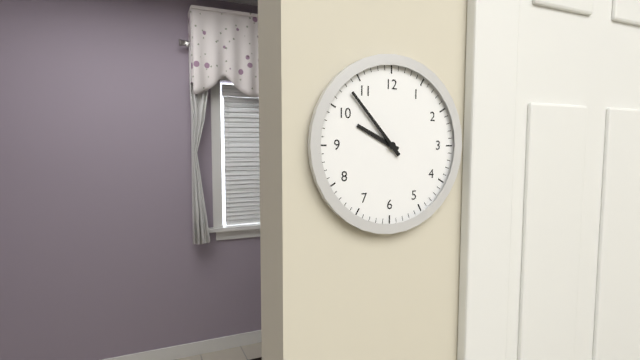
9:53
